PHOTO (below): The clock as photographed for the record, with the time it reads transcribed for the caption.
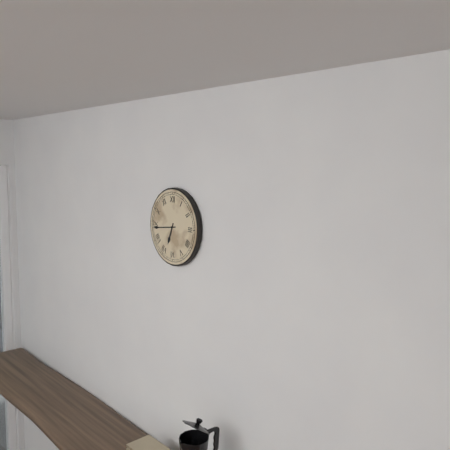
6:44
